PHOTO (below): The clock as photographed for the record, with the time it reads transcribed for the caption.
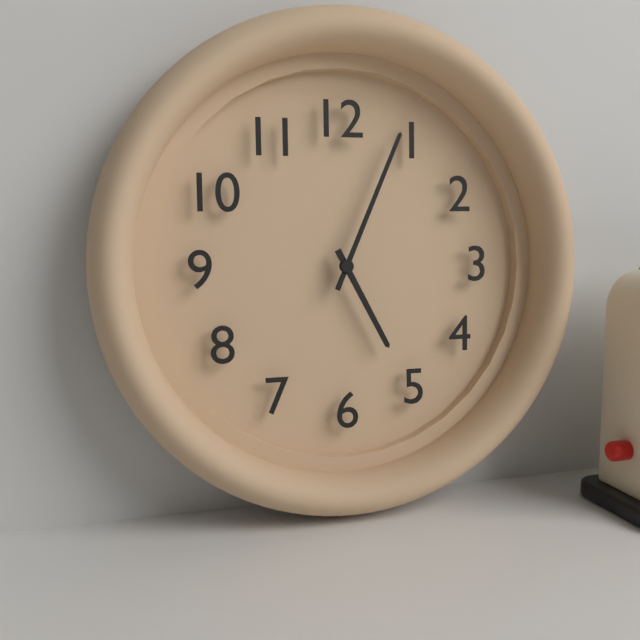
5:04
